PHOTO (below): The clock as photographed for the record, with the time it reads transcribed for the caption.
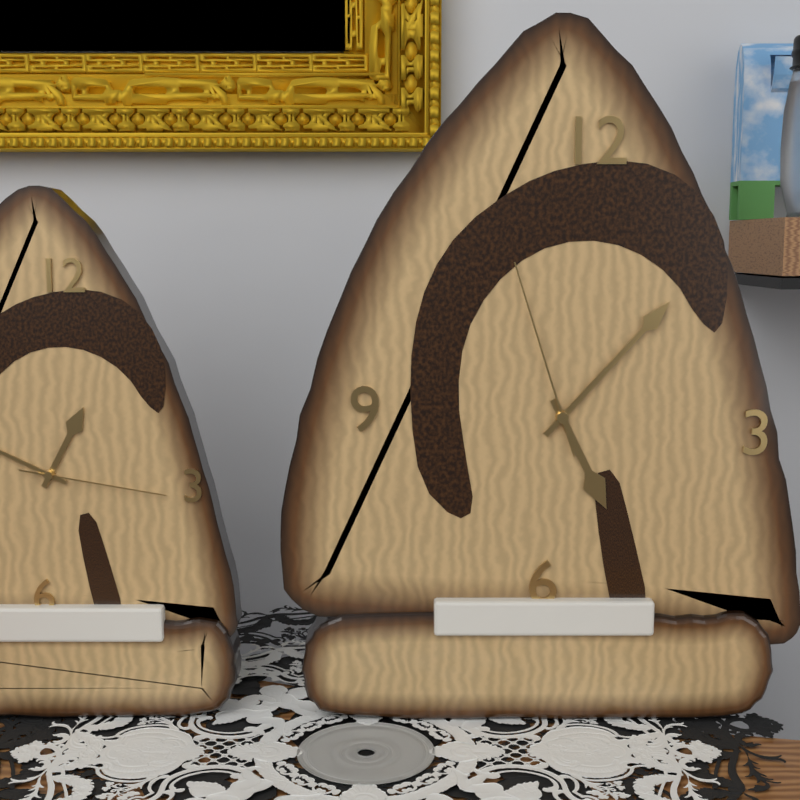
5:07:57
